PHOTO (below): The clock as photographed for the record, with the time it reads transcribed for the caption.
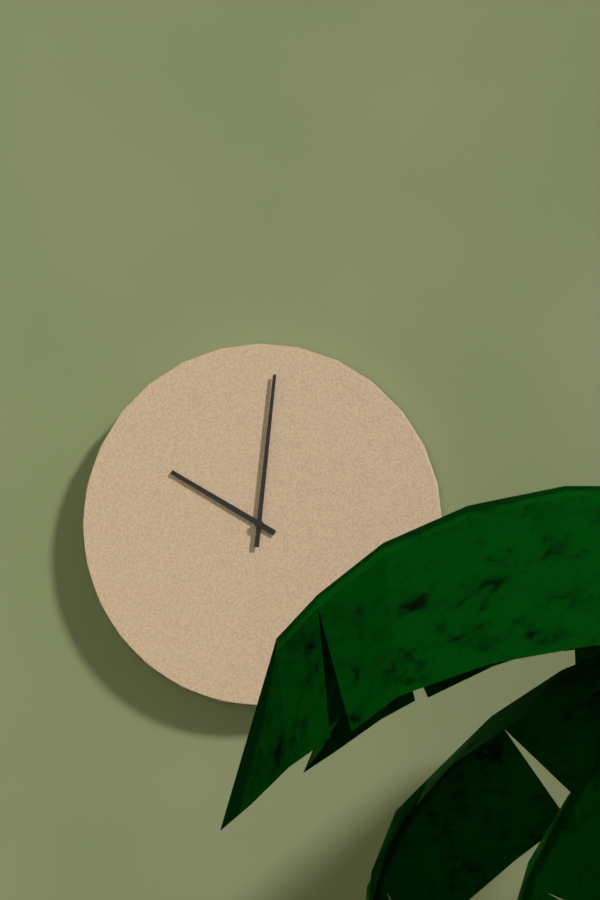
10:01
